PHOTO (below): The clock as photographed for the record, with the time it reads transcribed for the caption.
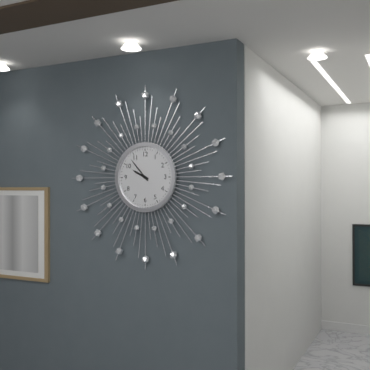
9:53
